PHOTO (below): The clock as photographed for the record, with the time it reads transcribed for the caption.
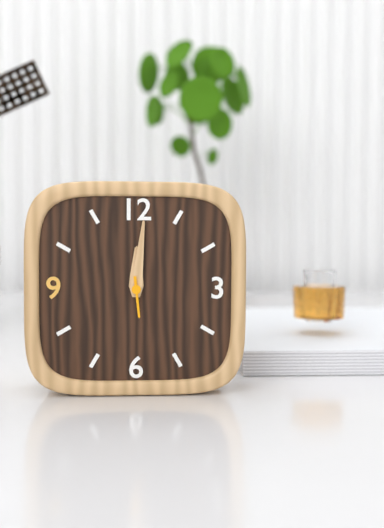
12:01
